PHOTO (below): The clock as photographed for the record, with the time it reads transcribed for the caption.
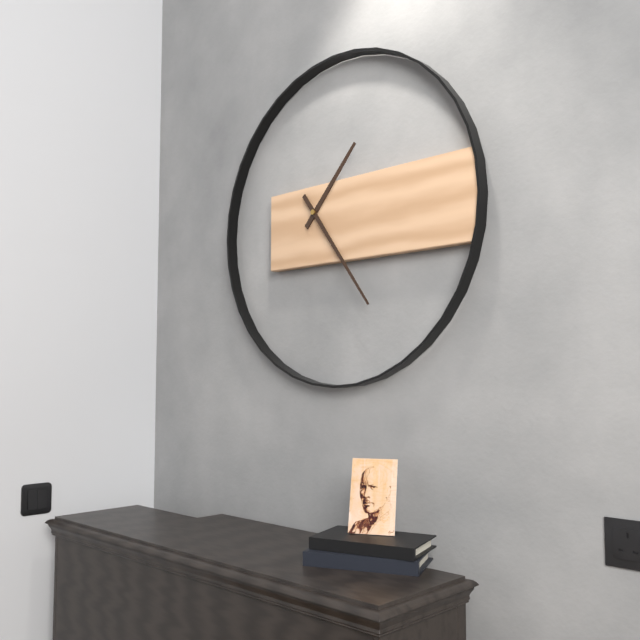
1:24
